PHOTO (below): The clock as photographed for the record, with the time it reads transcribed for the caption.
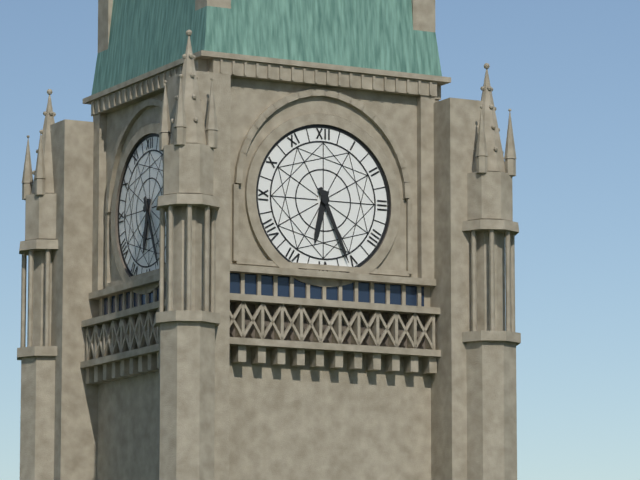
6:26
